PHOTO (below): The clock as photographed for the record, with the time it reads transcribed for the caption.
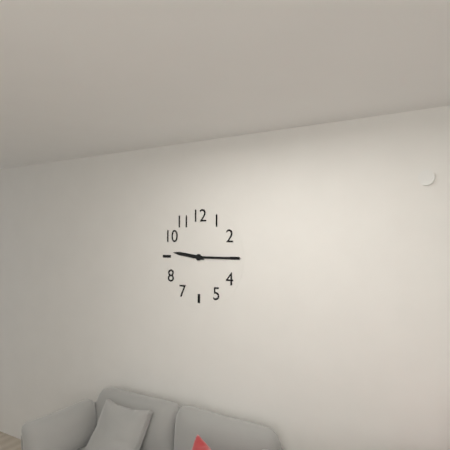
9:15
